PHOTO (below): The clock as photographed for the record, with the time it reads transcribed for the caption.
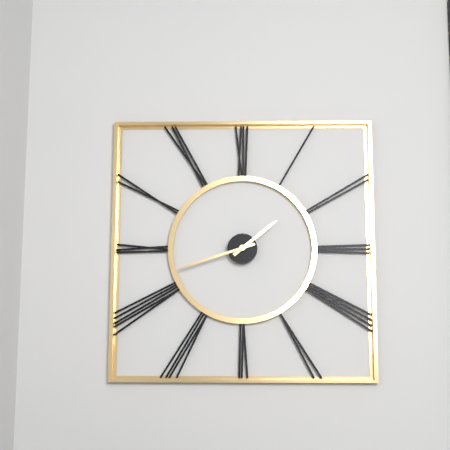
1:42
